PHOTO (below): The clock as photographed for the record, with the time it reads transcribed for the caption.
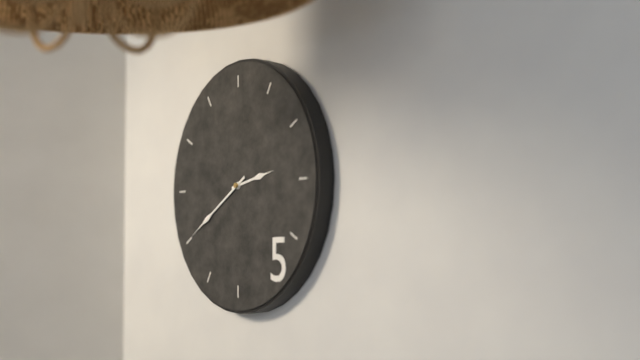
2:40
